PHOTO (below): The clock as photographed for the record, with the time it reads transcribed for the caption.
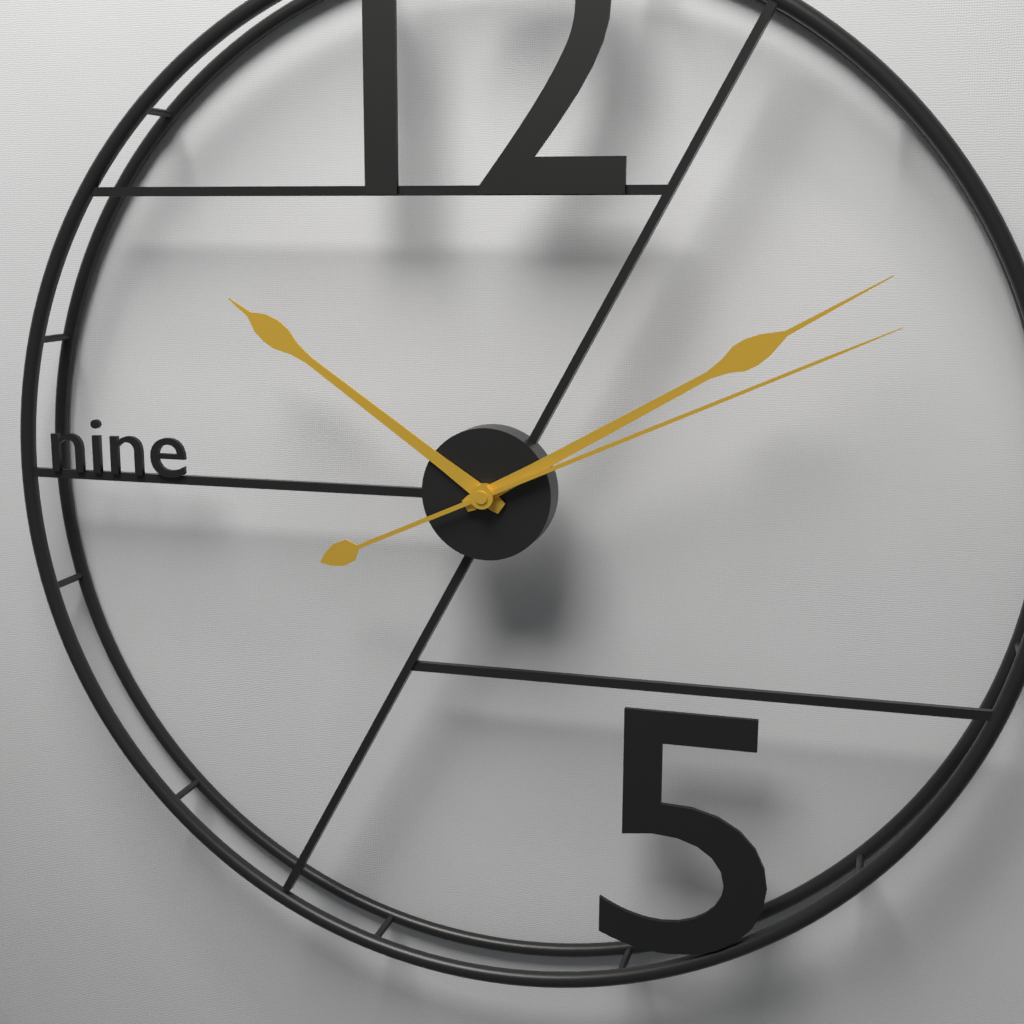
10:10:11
